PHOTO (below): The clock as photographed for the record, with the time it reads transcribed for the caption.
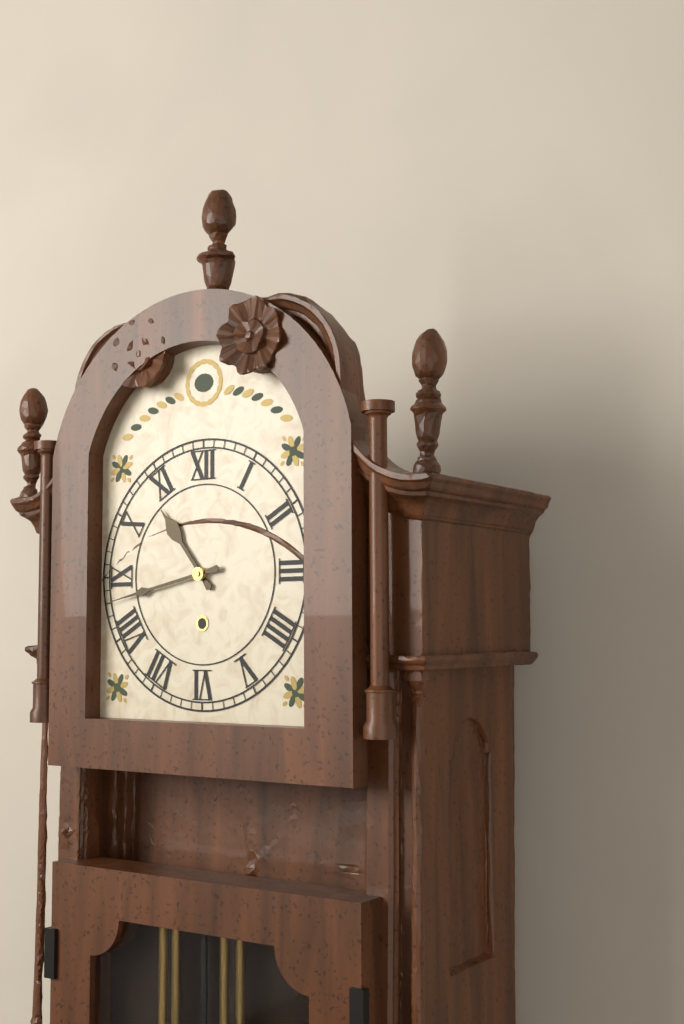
10:43
